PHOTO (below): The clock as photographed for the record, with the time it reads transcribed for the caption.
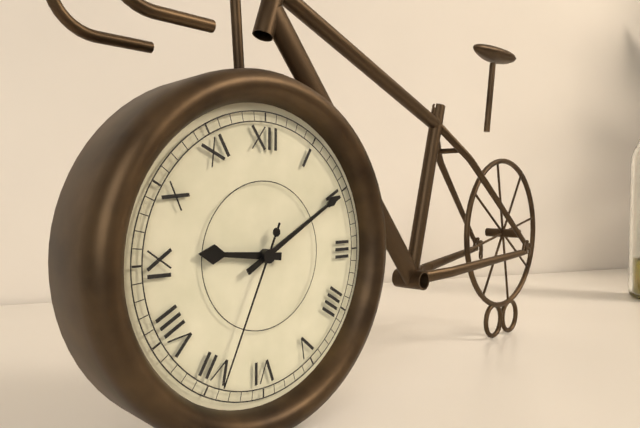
9:10:34
